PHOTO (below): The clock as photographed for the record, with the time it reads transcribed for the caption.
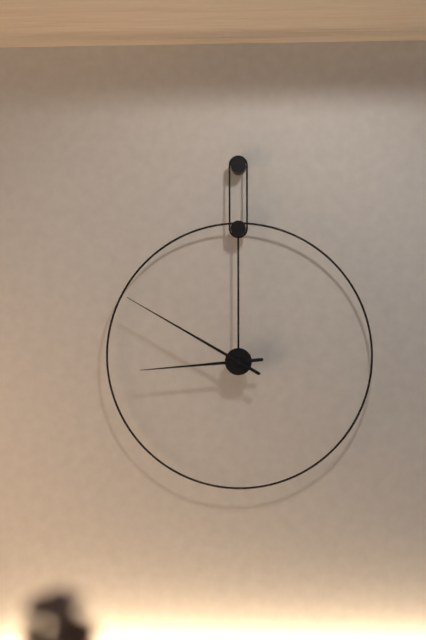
8:50
